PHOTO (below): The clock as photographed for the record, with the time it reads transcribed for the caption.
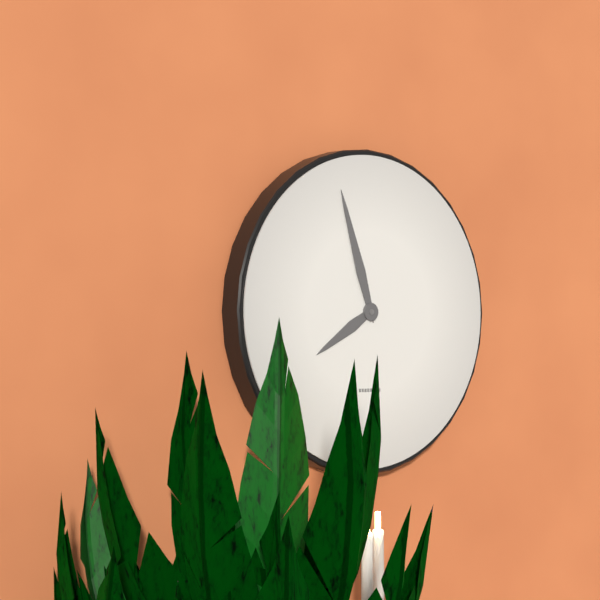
7:57
